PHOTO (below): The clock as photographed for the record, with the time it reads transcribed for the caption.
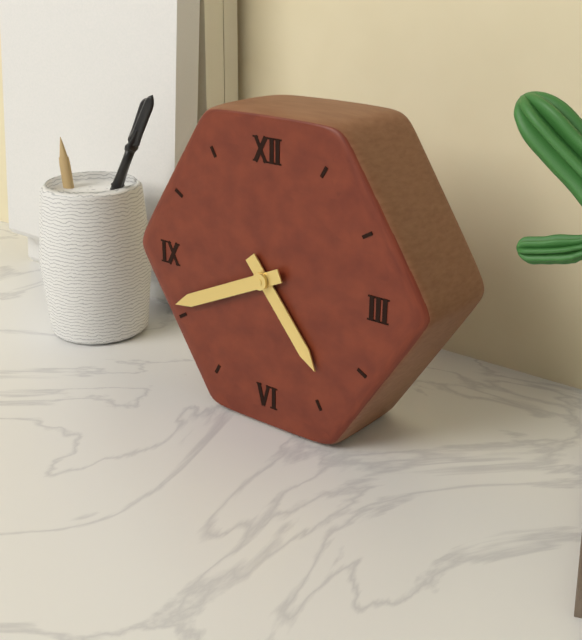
4:41
